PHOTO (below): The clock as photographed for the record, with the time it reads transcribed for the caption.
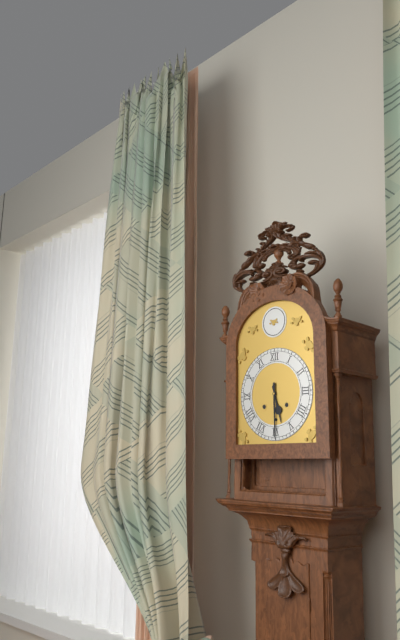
5:30
